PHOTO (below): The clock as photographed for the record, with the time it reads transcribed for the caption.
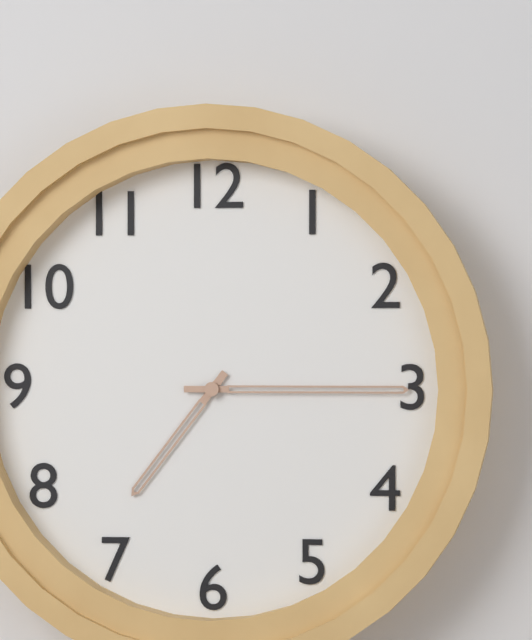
7:15
